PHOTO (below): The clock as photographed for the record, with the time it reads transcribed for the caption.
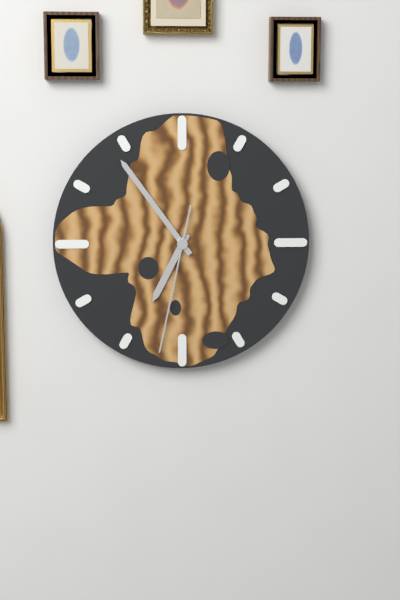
6:54:32
